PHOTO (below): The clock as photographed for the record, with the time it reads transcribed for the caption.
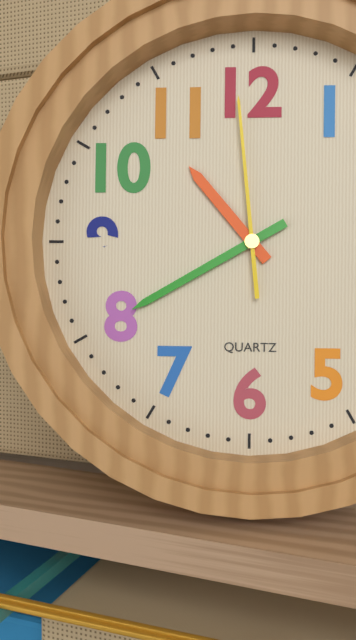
10:40:59
